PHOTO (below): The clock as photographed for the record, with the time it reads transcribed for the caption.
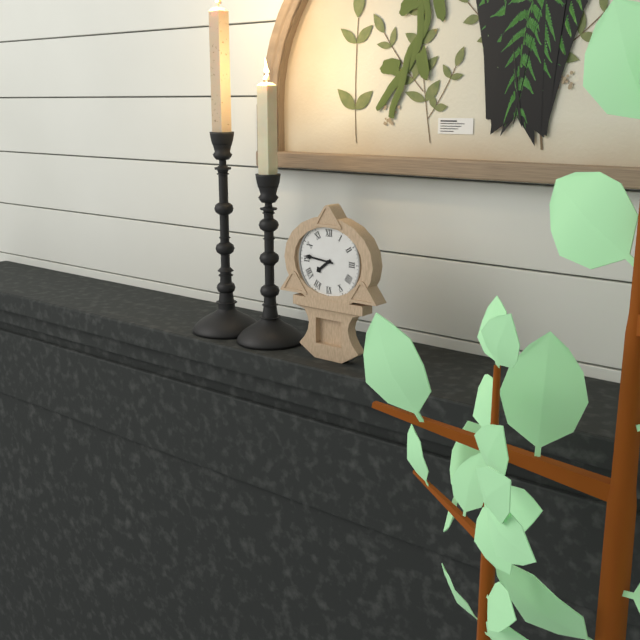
7:46
